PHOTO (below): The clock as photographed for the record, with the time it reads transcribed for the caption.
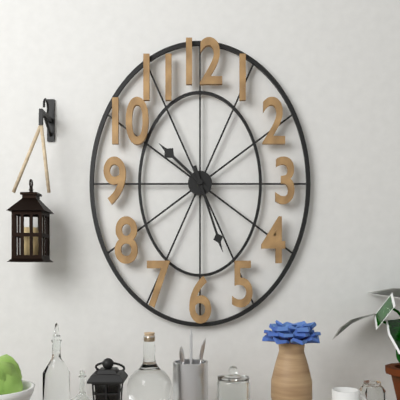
10:27
